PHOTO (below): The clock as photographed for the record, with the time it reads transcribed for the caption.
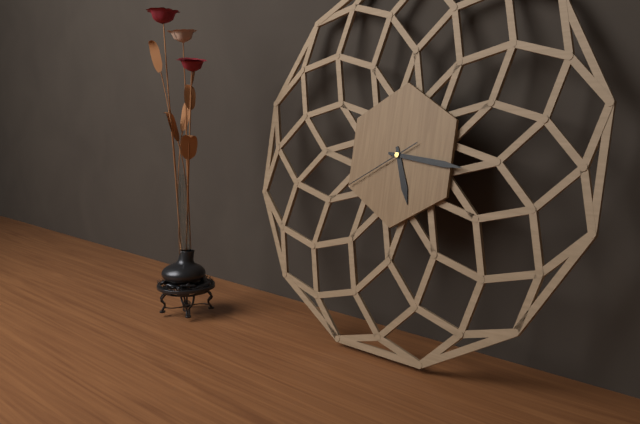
5:16:40
